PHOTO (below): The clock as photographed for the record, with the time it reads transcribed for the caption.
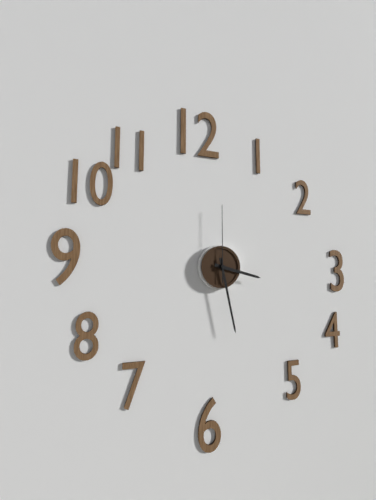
3:28:00
